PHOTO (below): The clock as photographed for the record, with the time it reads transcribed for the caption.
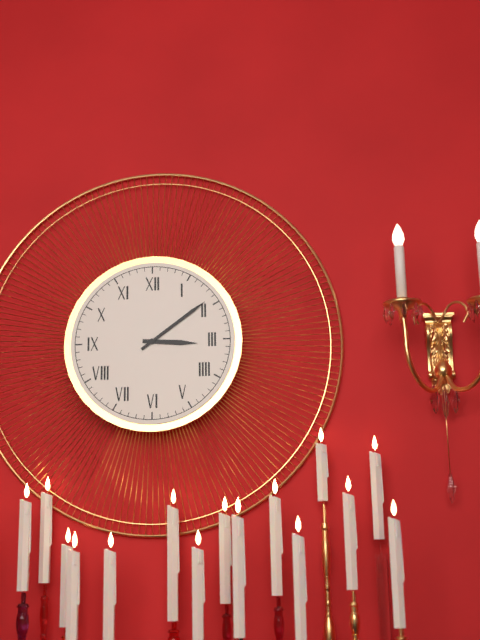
3:09
